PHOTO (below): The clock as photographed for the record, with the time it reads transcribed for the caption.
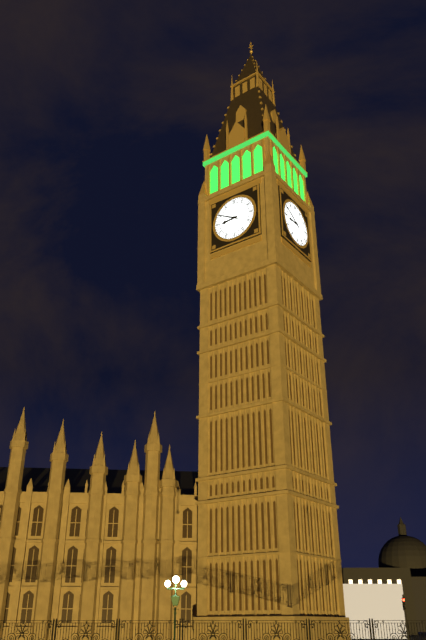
8:50
